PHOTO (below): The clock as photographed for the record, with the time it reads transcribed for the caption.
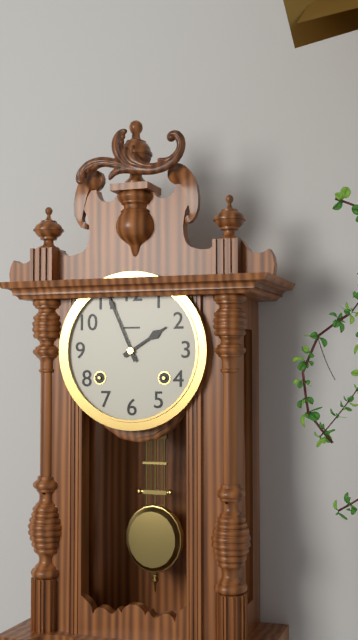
1:56
